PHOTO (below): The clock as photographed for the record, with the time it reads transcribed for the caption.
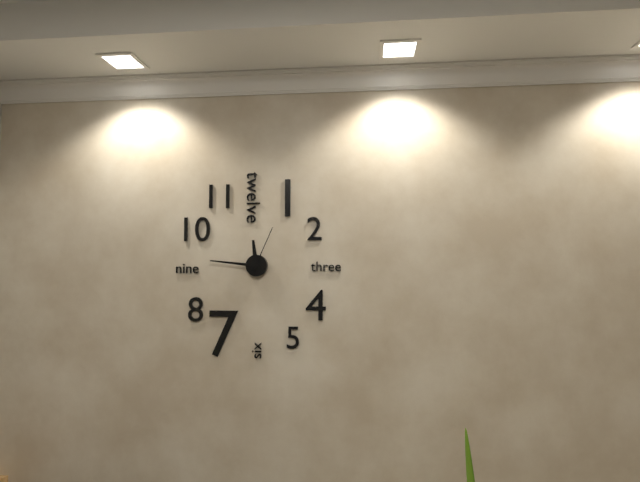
11:46:04
